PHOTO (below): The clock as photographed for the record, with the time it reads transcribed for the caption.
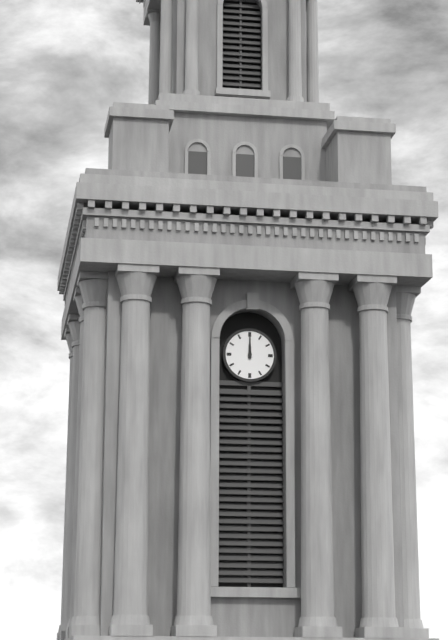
12:00
